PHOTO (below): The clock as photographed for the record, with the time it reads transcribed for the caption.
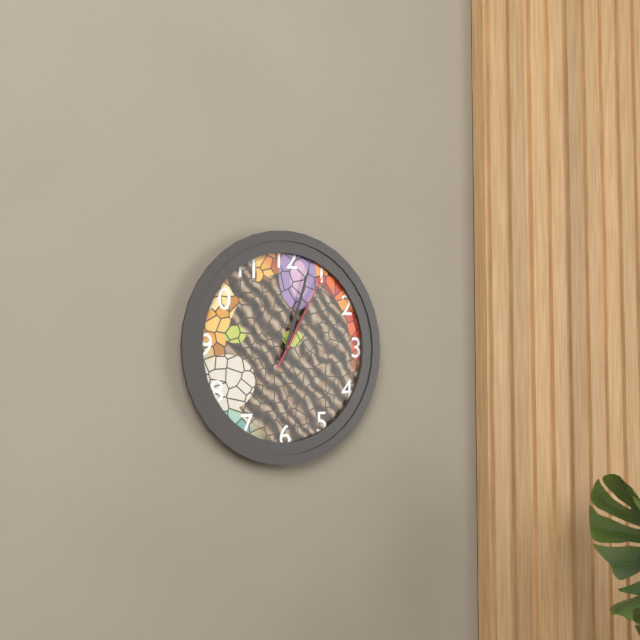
1:03:05
